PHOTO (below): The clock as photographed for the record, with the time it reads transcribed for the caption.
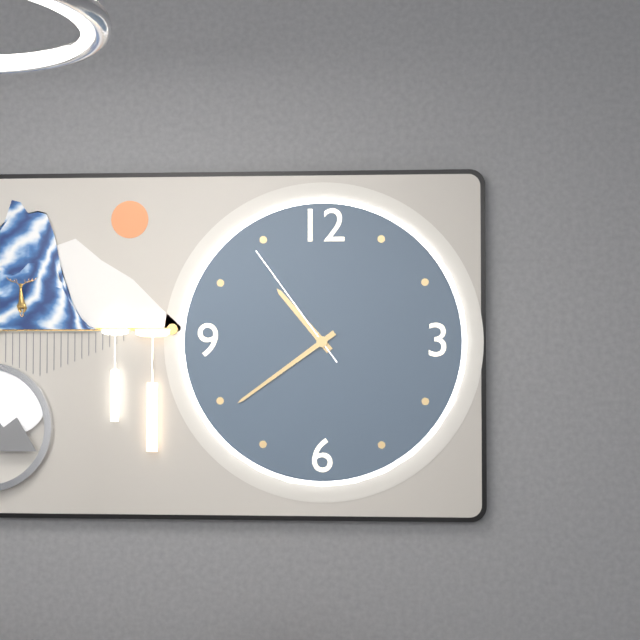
10:39:54
